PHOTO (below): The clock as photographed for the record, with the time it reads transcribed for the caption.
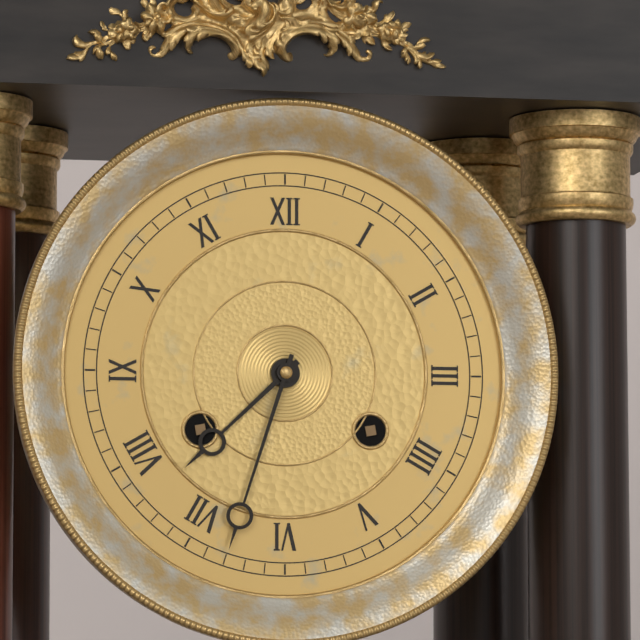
7:33
